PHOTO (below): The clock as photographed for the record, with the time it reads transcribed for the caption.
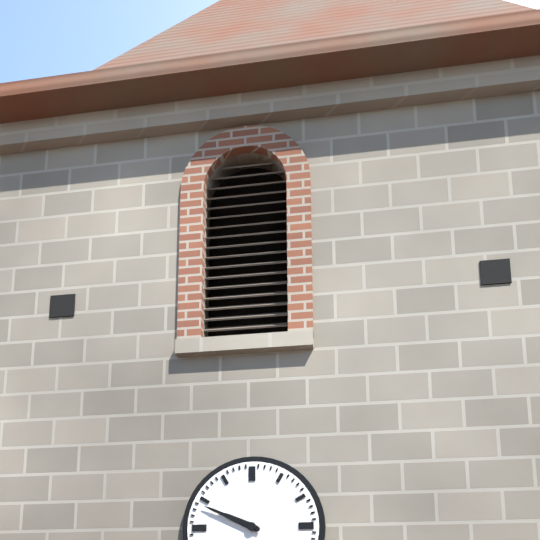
9:49
